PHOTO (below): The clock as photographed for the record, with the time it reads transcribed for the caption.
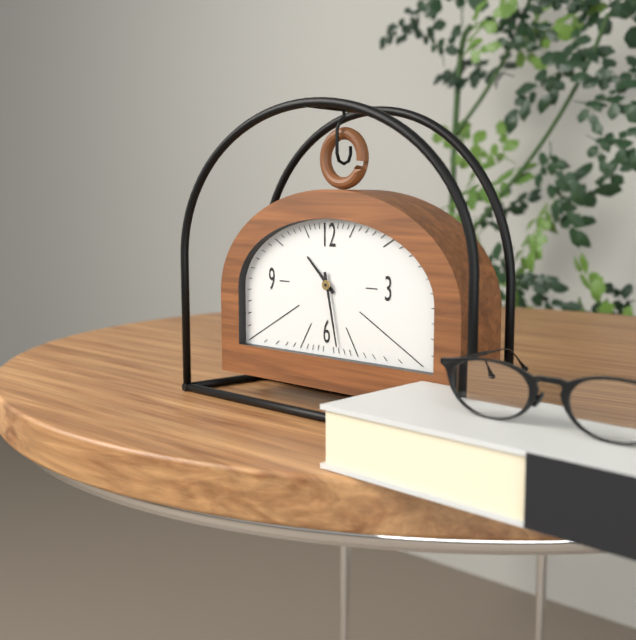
10:28
